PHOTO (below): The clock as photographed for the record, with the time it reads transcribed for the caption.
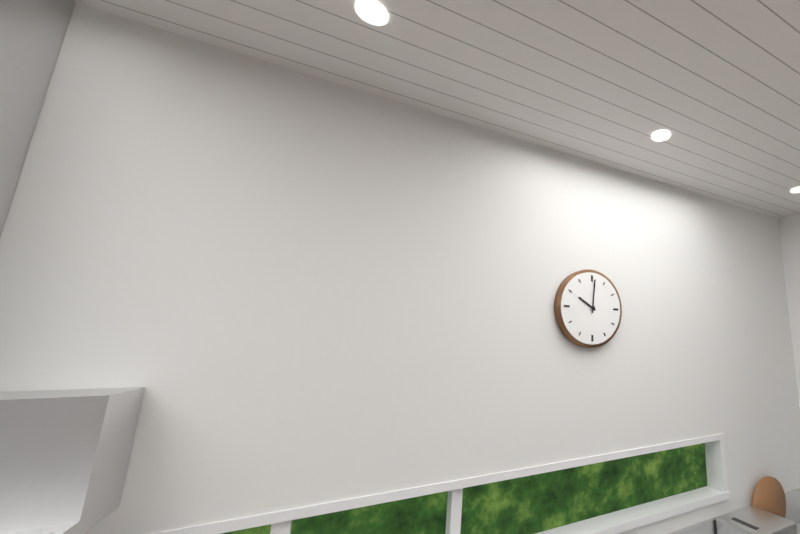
10:01
